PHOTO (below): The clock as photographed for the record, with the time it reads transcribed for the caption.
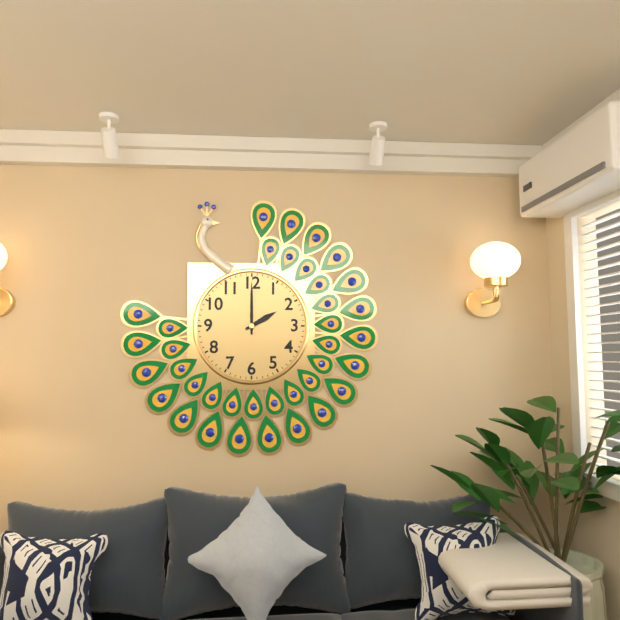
2:00
